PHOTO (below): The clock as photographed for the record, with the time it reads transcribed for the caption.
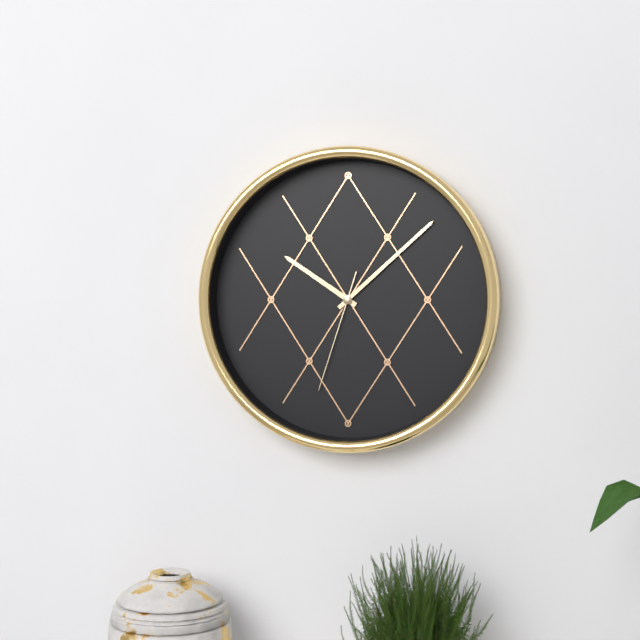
10:08:33
